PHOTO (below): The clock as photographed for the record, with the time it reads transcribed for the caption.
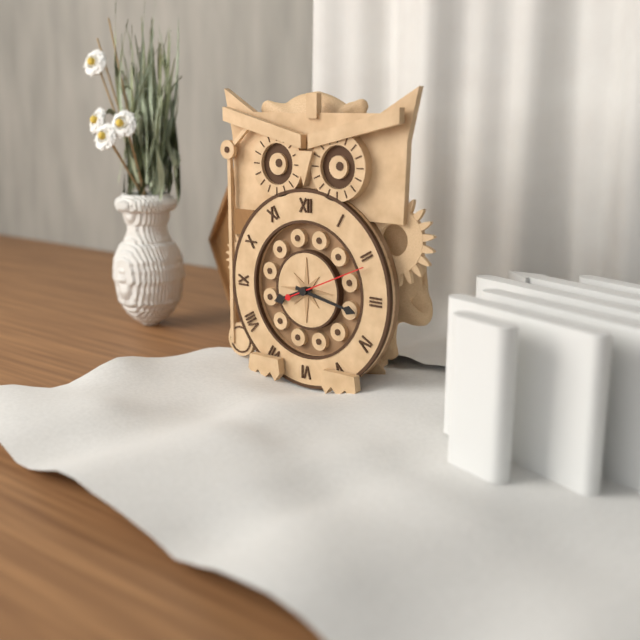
8:17:11
